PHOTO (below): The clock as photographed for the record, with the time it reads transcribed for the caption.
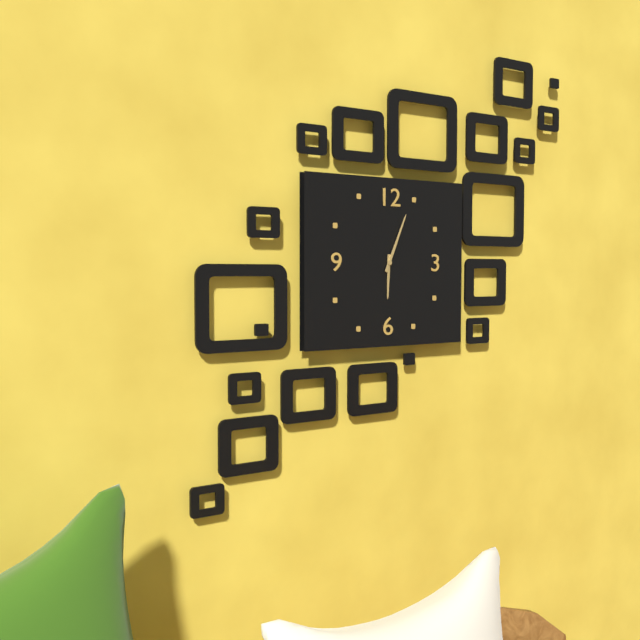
6:04
